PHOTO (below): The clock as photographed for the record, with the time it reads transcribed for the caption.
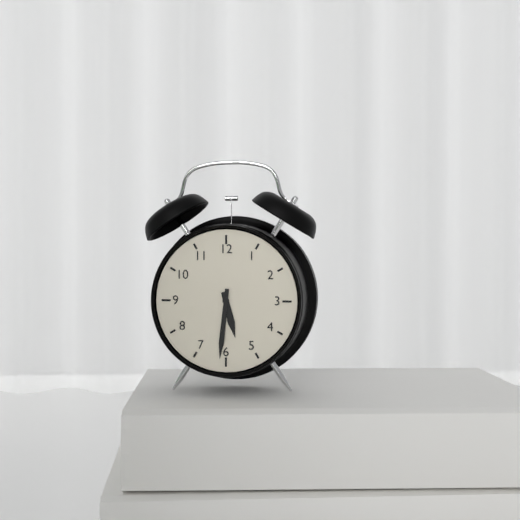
5:31
